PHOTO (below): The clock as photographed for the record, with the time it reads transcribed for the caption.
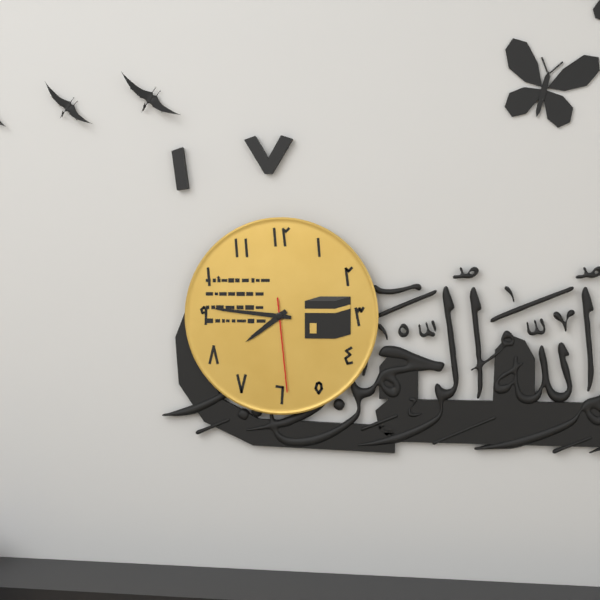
7:46:29
